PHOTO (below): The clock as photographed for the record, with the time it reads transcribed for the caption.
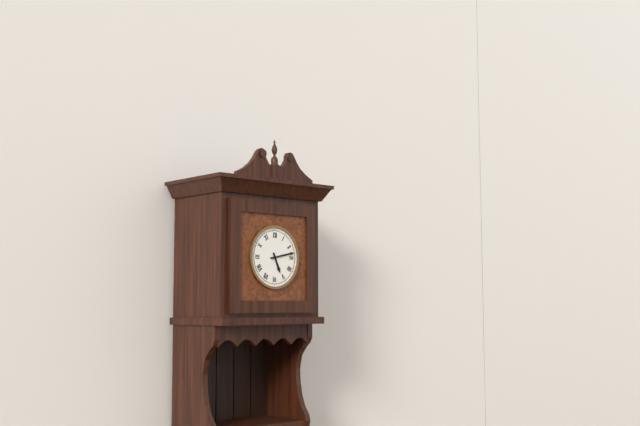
5:13
